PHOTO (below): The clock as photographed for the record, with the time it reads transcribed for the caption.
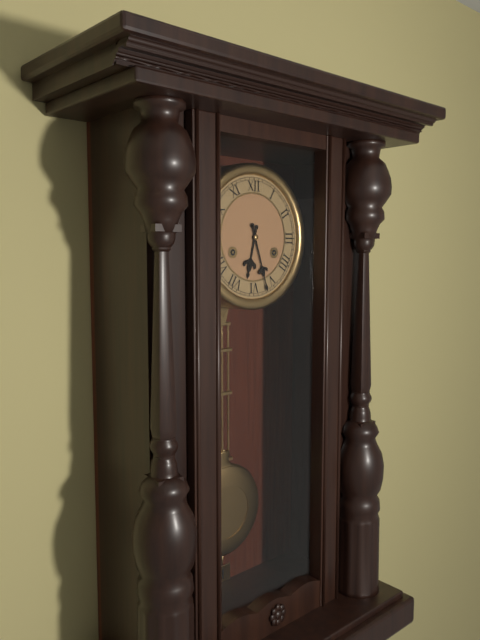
6:27
